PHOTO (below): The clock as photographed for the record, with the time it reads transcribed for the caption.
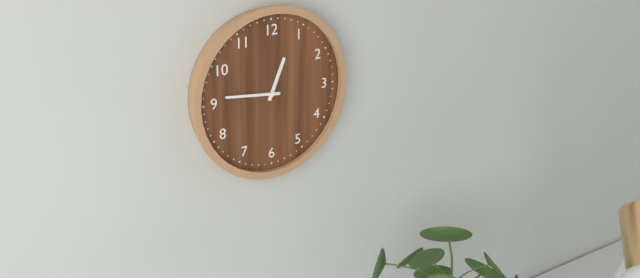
12:46
